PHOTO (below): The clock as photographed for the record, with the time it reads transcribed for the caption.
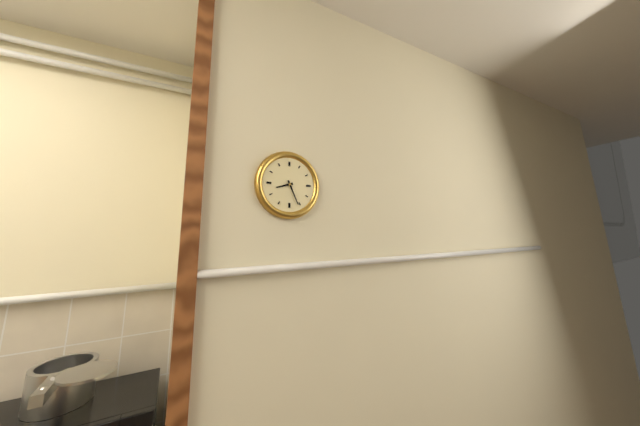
8:26
